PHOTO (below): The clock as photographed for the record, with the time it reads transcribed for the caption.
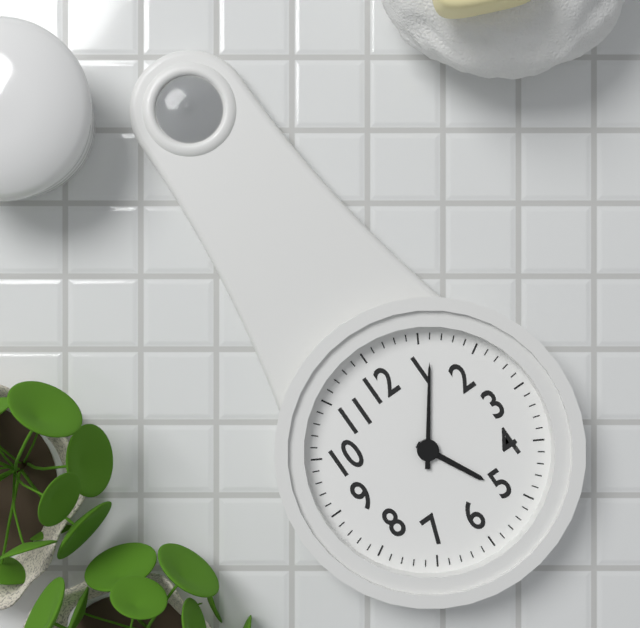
5:06
